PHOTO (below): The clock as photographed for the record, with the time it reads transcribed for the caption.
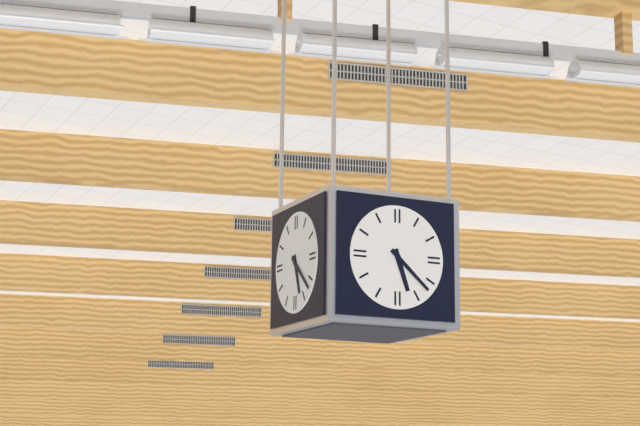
5:22
